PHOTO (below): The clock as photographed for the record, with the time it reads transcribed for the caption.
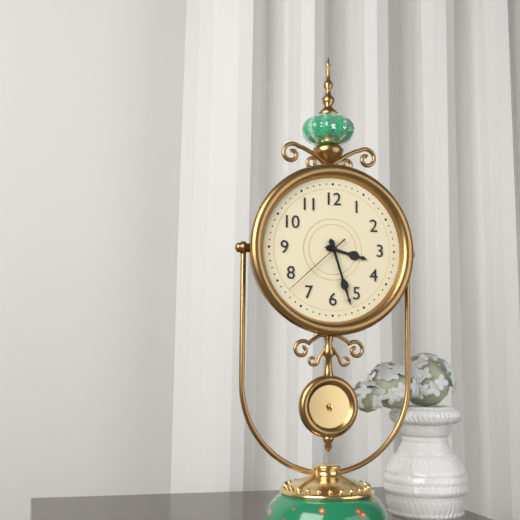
3:27:38
